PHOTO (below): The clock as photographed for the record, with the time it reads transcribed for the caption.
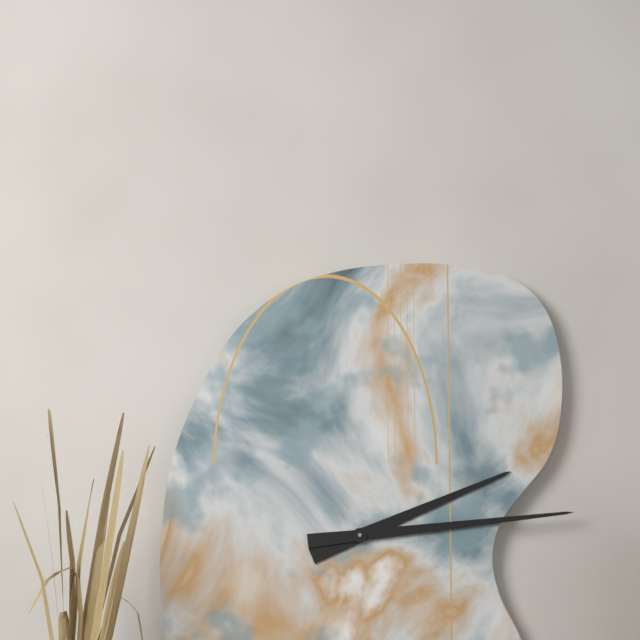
2:14
